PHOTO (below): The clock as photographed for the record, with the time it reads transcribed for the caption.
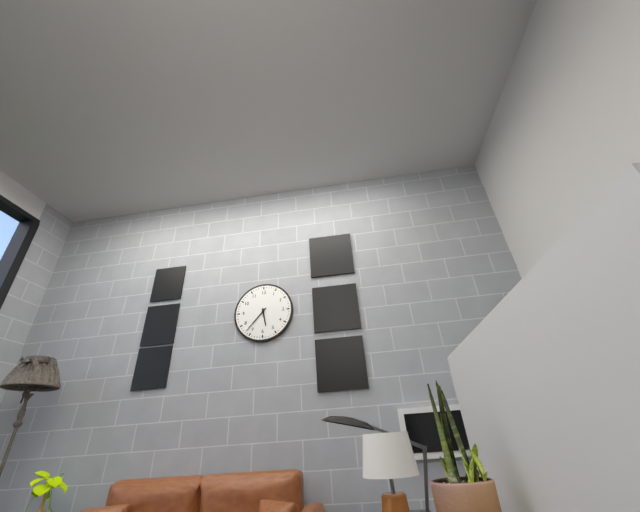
5:37
